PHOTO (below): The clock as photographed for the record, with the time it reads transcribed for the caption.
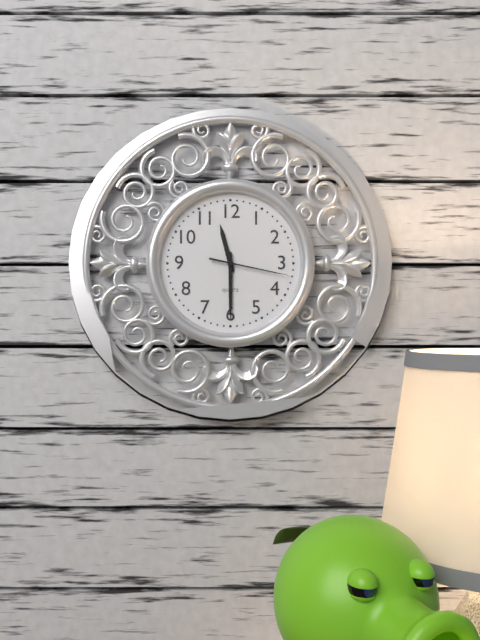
11:30:17
